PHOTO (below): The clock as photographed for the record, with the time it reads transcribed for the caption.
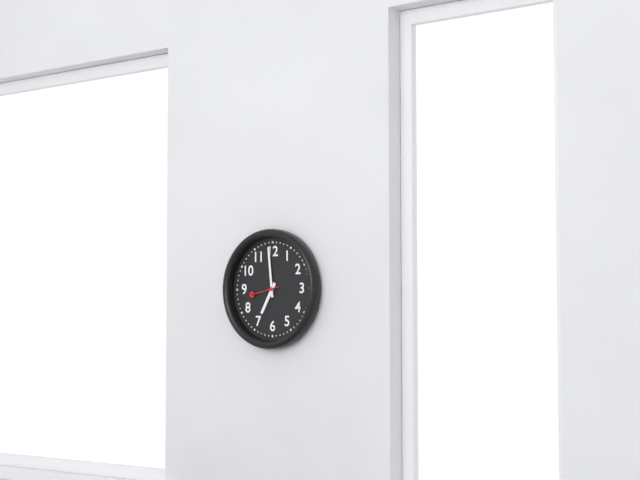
6:59
